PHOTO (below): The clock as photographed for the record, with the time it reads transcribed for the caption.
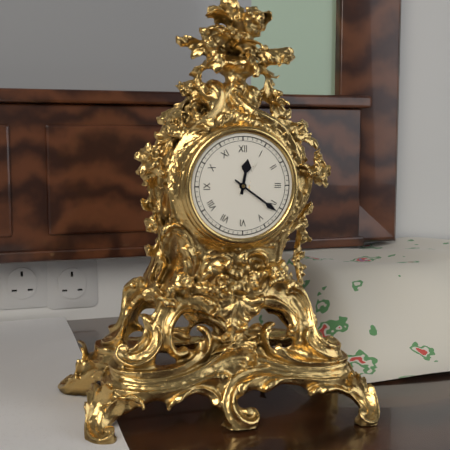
12:21
